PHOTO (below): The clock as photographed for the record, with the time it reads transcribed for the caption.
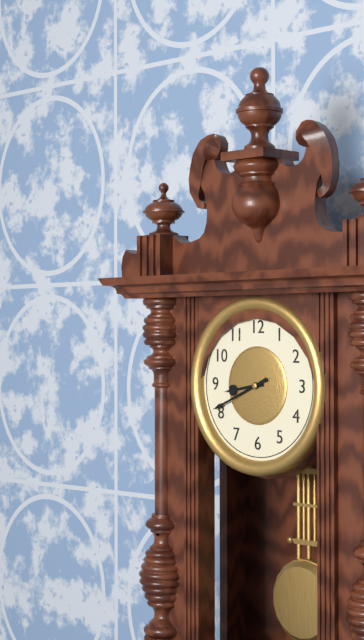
8:41
